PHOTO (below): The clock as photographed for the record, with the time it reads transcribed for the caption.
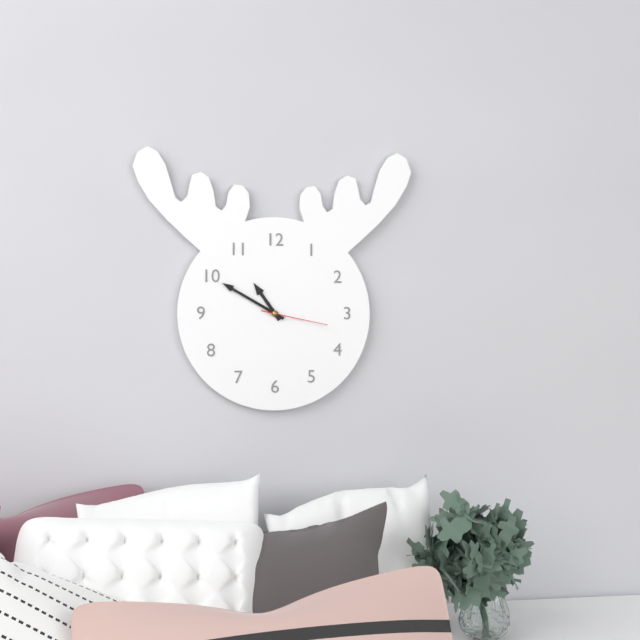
10:50:17
